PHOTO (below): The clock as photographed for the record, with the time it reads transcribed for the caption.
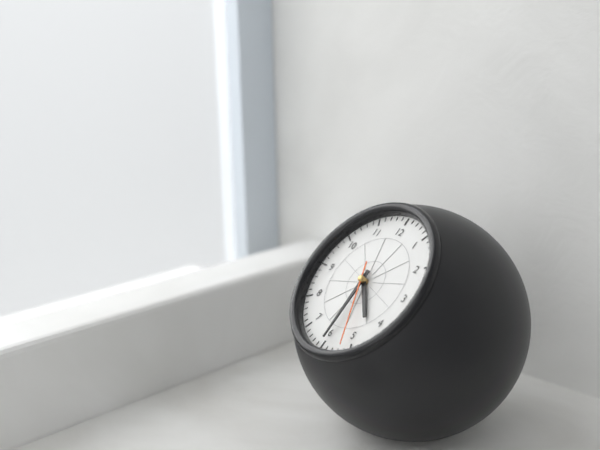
4:30:26
